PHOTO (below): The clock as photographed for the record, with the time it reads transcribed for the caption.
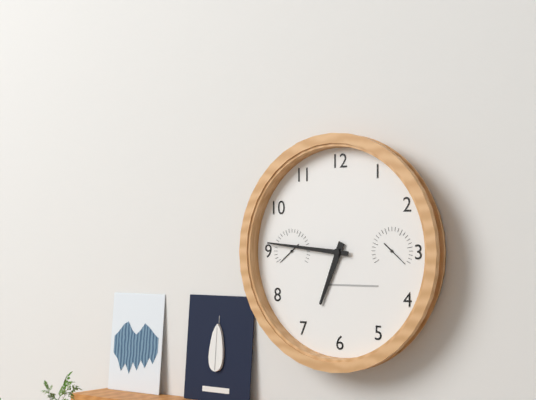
6:46
